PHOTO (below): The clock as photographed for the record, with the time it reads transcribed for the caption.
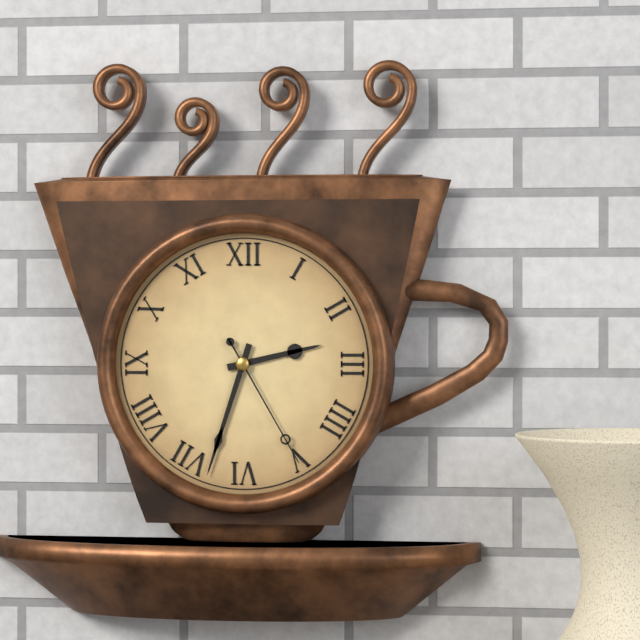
2:33:25
